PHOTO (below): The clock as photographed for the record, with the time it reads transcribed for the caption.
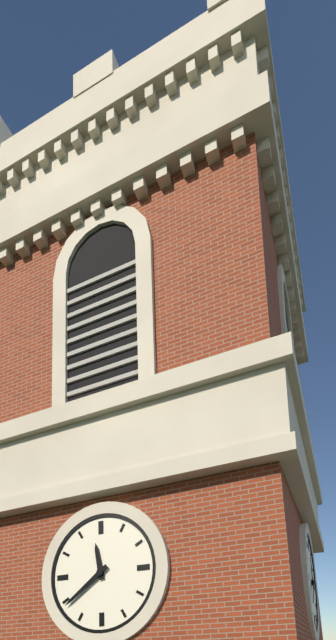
11:39
